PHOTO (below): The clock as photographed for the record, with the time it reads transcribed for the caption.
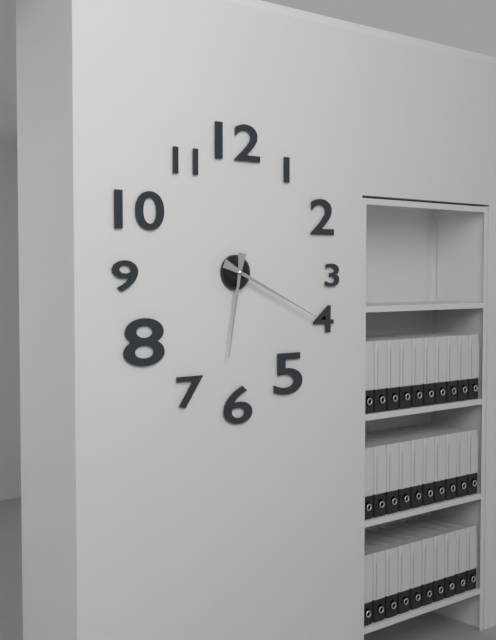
6:19
